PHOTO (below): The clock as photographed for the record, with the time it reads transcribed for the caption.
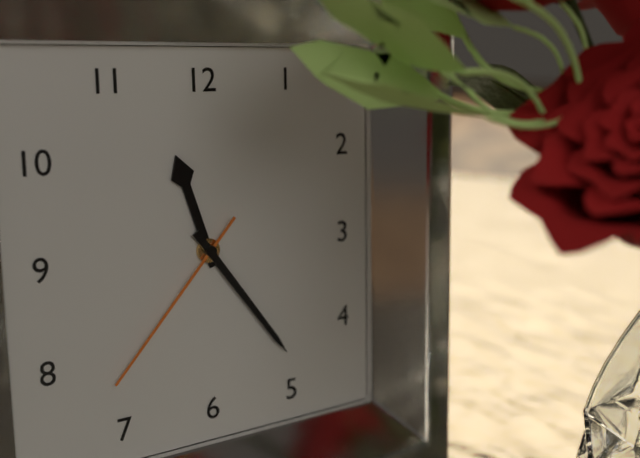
11:24:37
